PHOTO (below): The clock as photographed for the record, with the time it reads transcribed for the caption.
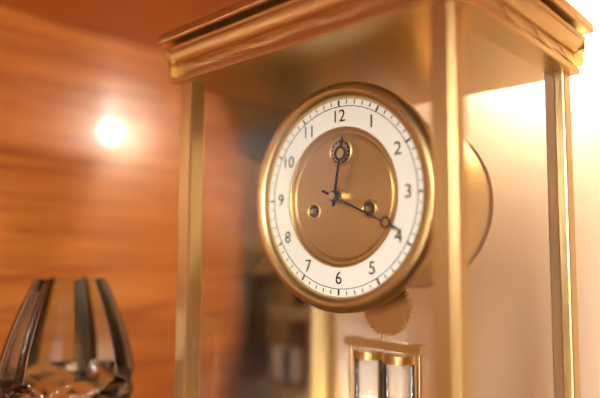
12:19
